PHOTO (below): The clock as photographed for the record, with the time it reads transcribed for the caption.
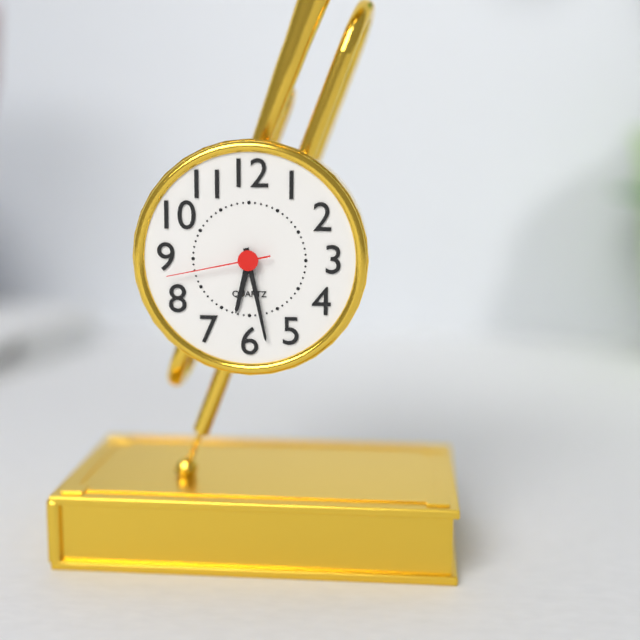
6:28:43
